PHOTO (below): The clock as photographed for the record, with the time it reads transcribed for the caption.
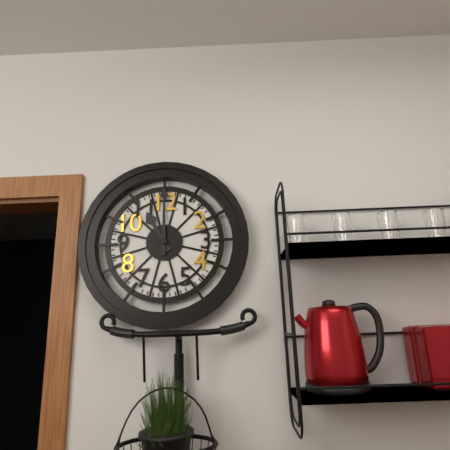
11:00
